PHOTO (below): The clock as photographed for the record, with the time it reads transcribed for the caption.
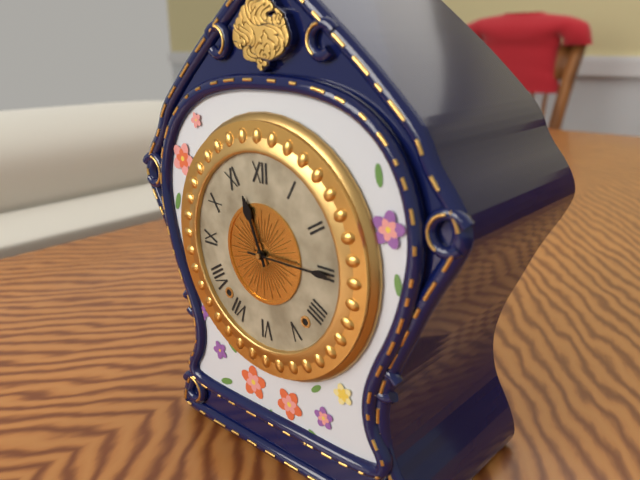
11:15
